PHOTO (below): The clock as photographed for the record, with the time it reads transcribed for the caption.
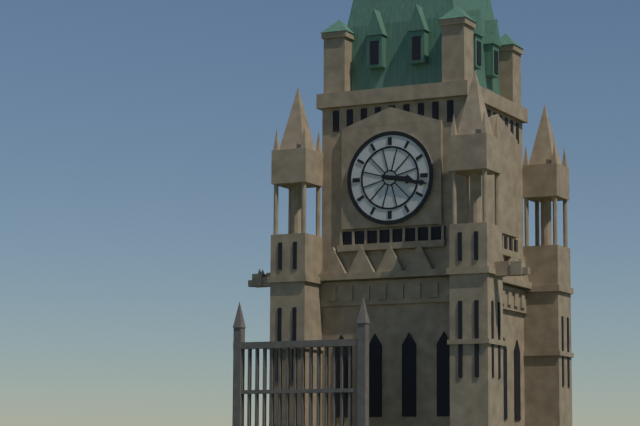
3:17
